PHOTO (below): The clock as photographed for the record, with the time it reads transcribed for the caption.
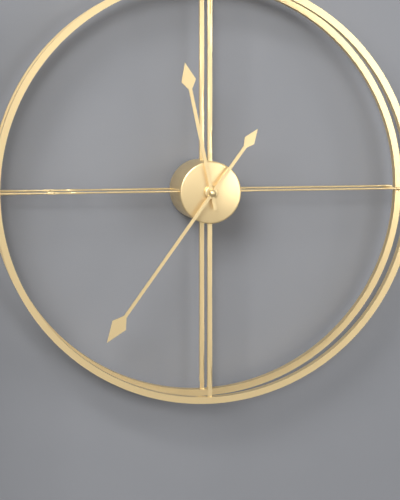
11:36
